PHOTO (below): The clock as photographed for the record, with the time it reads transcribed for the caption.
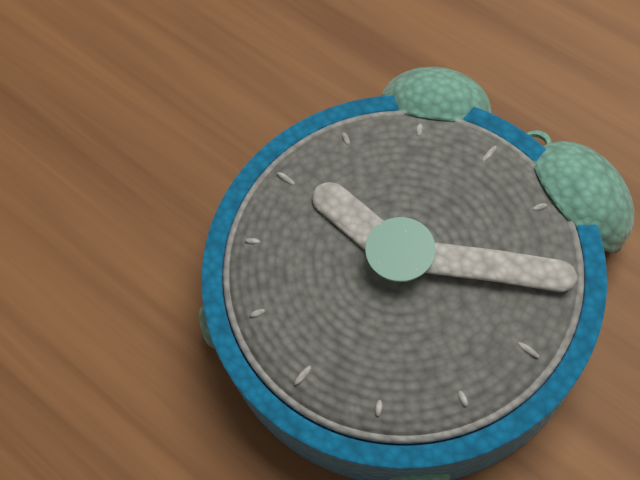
9:10
